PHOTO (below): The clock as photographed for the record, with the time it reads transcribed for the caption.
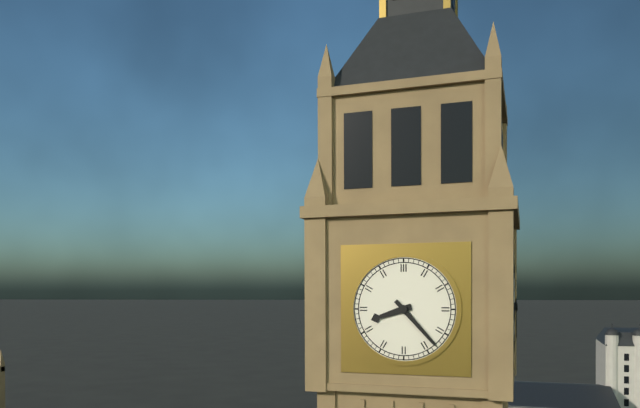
8:23
